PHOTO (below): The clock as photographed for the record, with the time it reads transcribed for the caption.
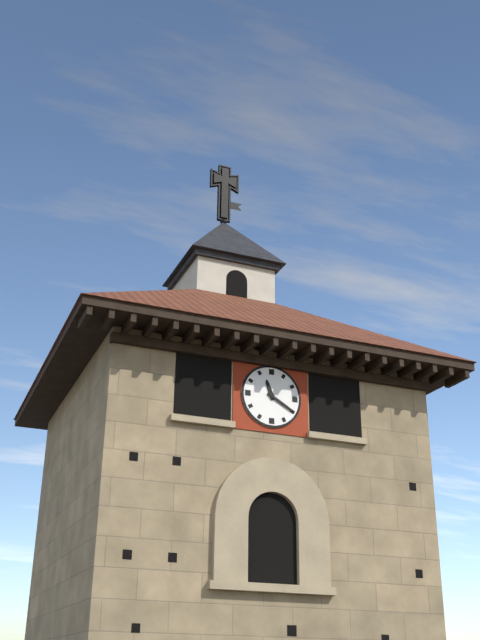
11:20
